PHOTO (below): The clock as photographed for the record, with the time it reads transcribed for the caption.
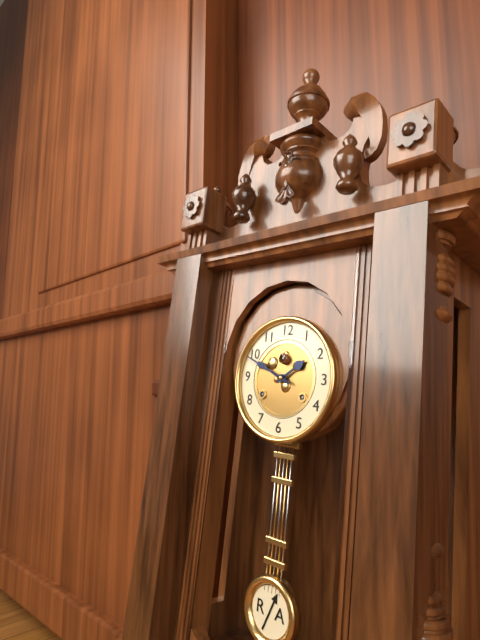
1:49
